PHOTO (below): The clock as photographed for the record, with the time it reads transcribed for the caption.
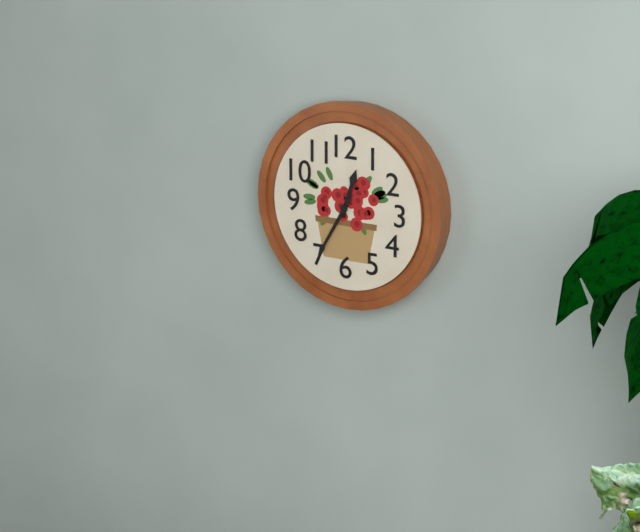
12:35
